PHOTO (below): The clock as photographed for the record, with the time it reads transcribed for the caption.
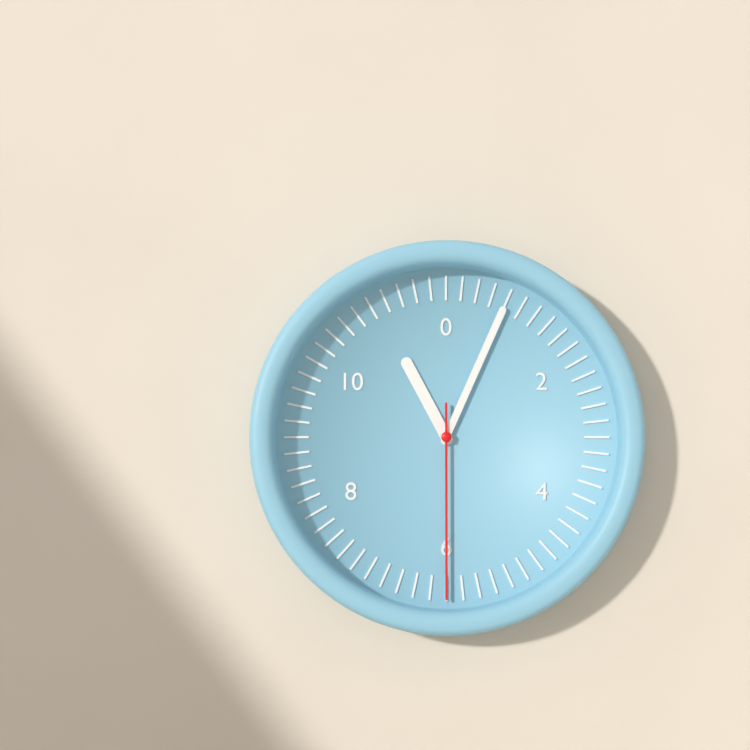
11:04:30
